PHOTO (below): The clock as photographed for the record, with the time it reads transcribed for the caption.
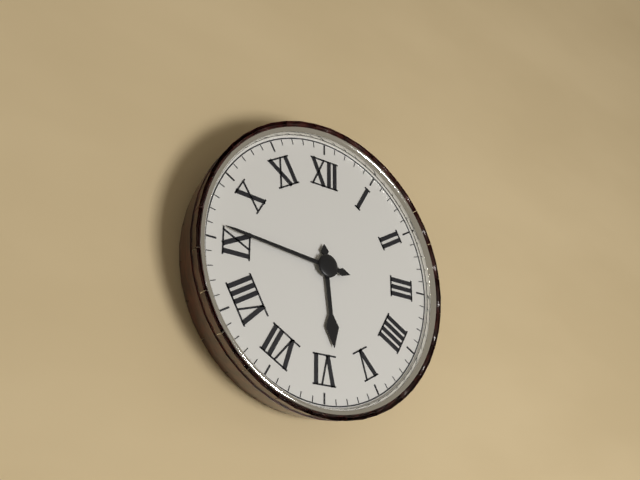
5:46
